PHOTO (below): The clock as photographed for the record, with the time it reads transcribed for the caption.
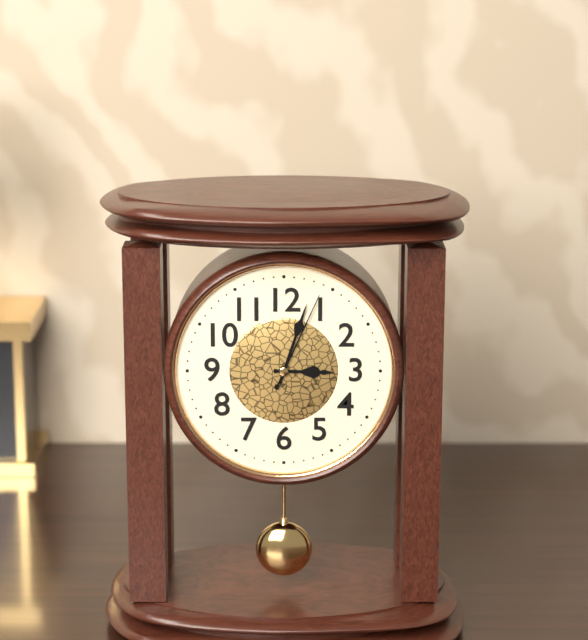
3:03:04
